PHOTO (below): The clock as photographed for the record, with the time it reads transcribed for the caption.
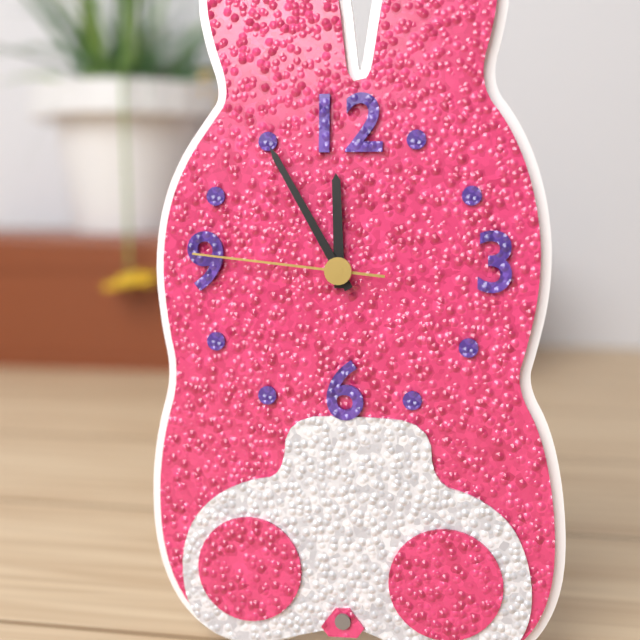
11:55:46
